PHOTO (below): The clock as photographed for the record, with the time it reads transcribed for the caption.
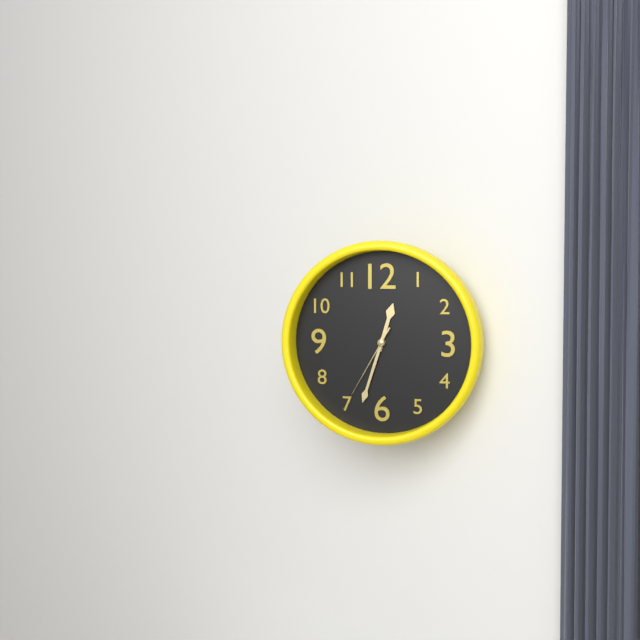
12:33:35
